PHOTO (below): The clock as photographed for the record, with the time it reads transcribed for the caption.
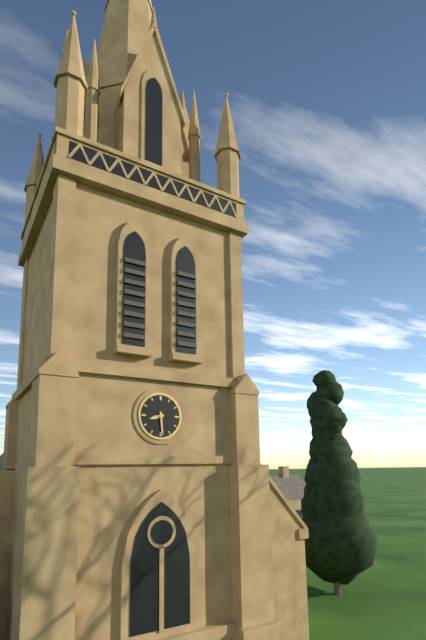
8:29
